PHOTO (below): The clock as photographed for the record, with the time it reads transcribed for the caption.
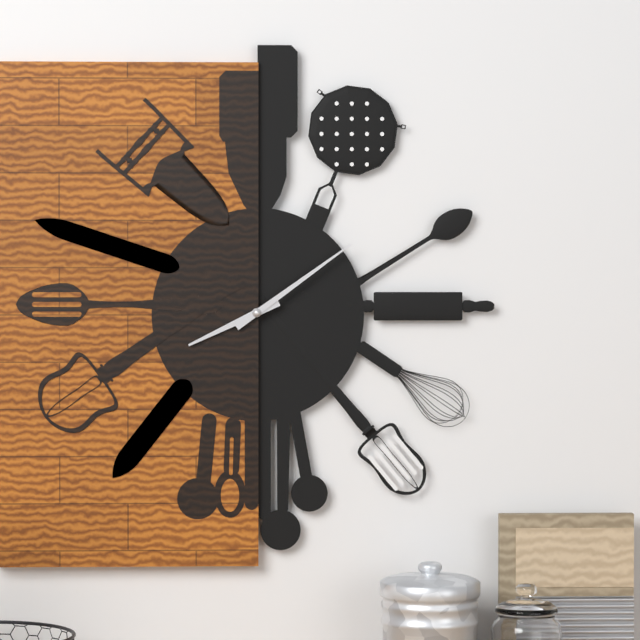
8:09
